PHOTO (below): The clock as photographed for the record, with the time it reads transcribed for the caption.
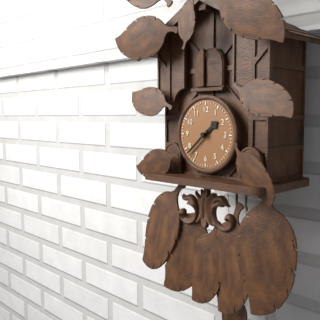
1:38
